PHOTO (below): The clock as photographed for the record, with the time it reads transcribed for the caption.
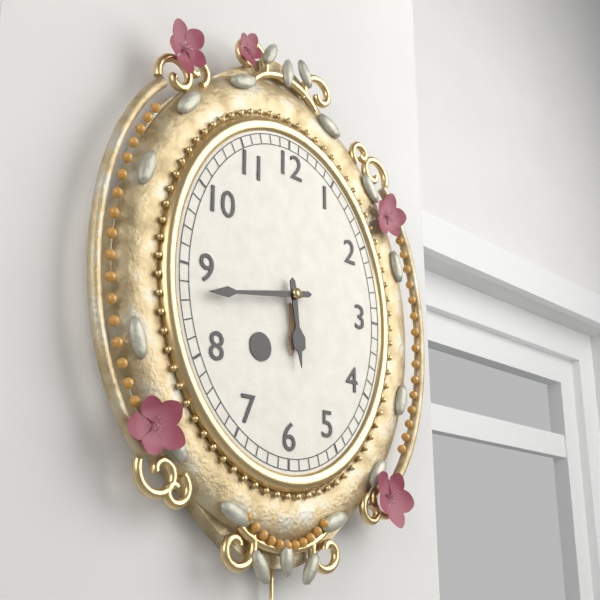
5:43
